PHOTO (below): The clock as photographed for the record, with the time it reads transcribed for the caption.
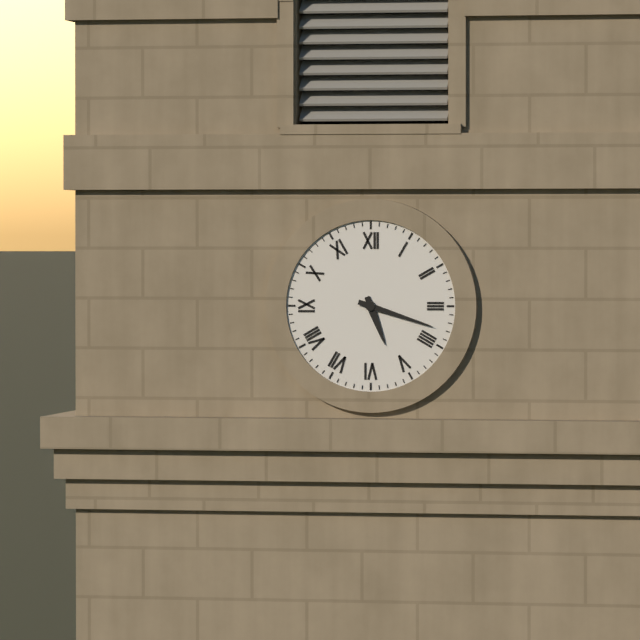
5:18
